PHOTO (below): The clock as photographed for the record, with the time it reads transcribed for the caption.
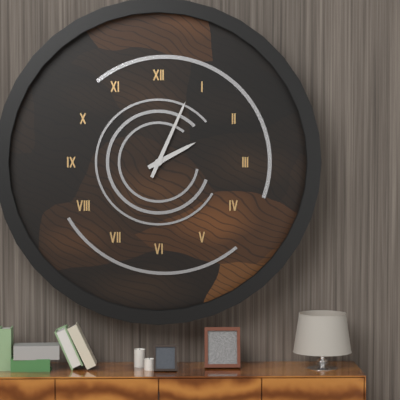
2:04
